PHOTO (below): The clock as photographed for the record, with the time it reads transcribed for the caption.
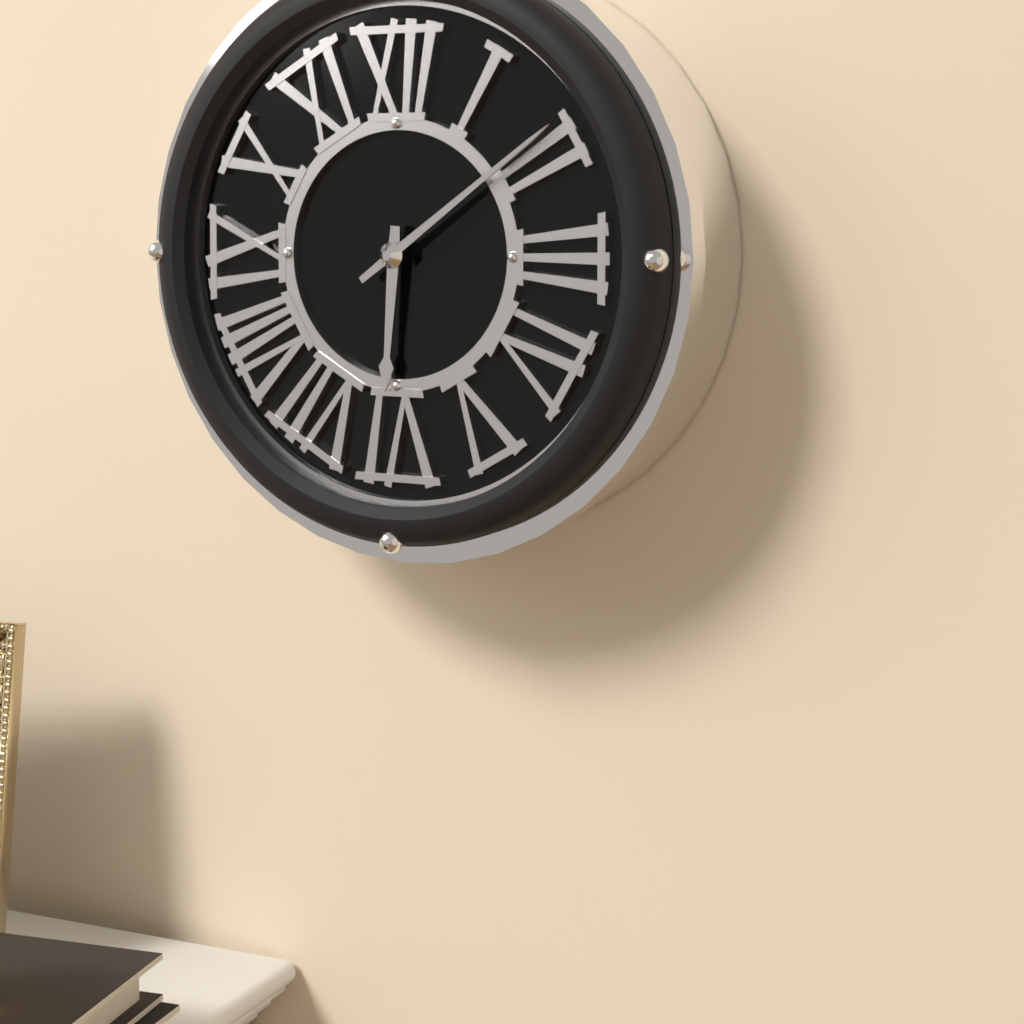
6:09
